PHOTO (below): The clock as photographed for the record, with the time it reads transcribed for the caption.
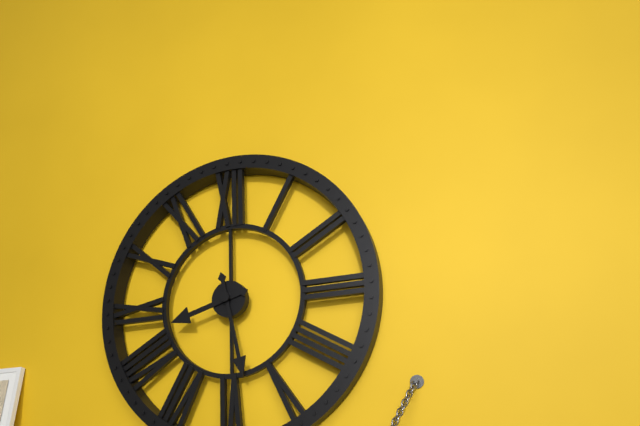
8:28
